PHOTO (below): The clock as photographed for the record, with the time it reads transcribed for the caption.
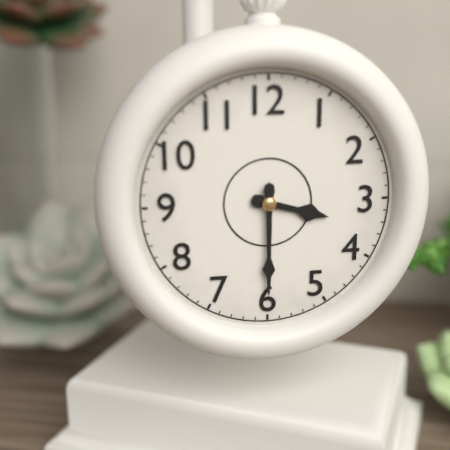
3:30
